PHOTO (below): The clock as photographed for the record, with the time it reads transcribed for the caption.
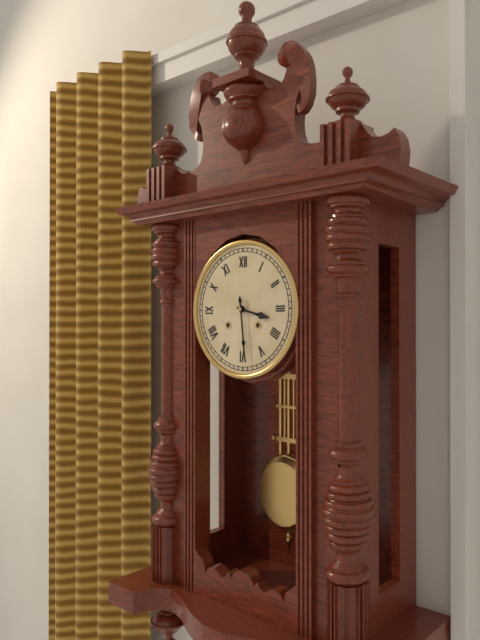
3:29
